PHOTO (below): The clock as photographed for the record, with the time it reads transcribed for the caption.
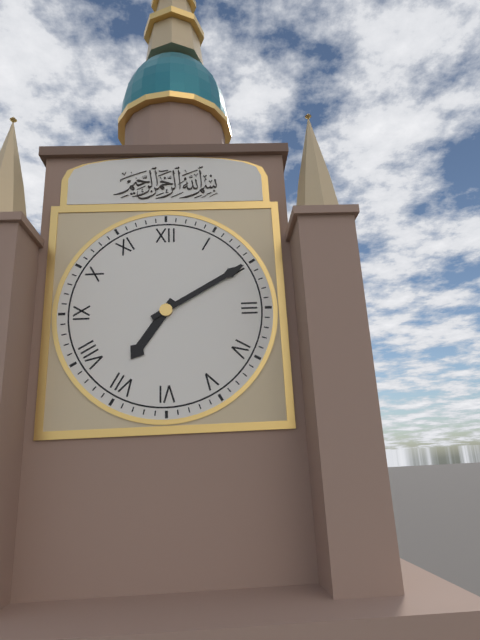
7:10
